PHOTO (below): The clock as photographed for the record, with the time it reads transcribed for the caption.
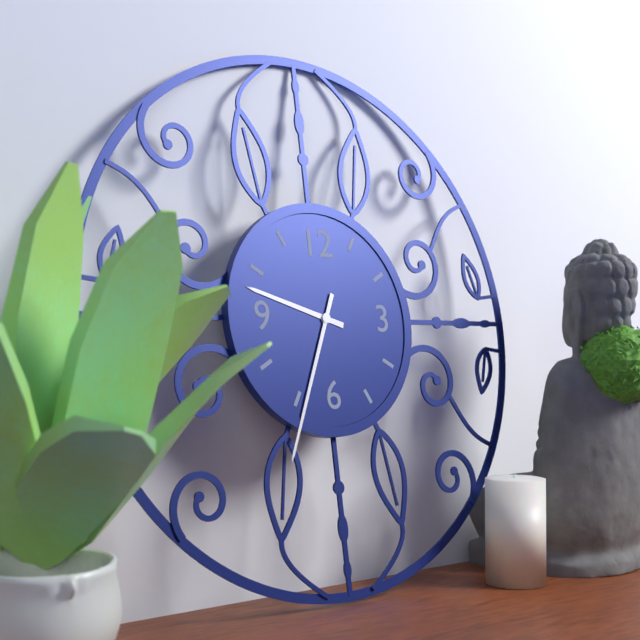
9:34
